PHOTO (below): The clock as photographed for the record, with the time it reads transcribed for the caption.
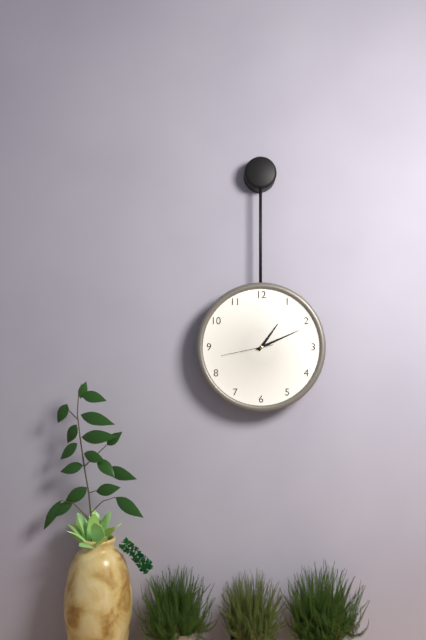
1:11:43
